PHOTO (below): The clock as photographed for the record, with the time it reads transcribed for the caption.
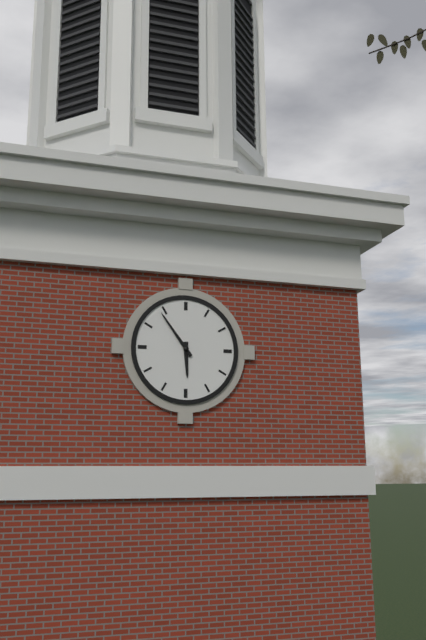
5:54
